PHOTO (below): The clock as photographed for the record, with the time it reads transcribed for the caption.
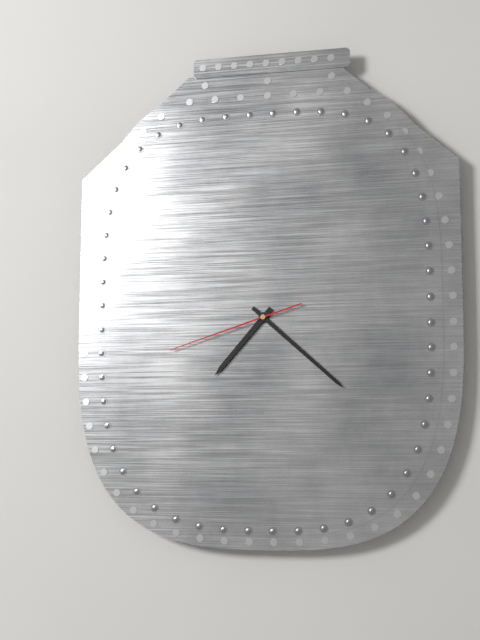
7:22:42
